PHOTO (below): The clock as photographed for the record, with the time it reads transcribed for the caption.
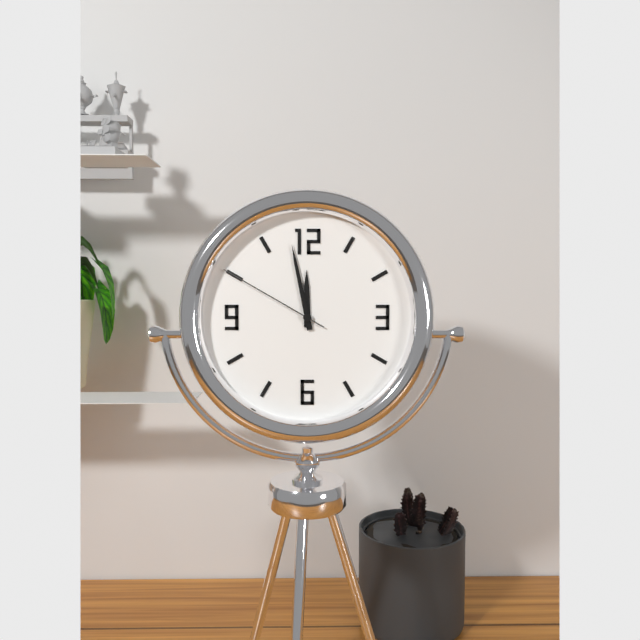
11:58:50
